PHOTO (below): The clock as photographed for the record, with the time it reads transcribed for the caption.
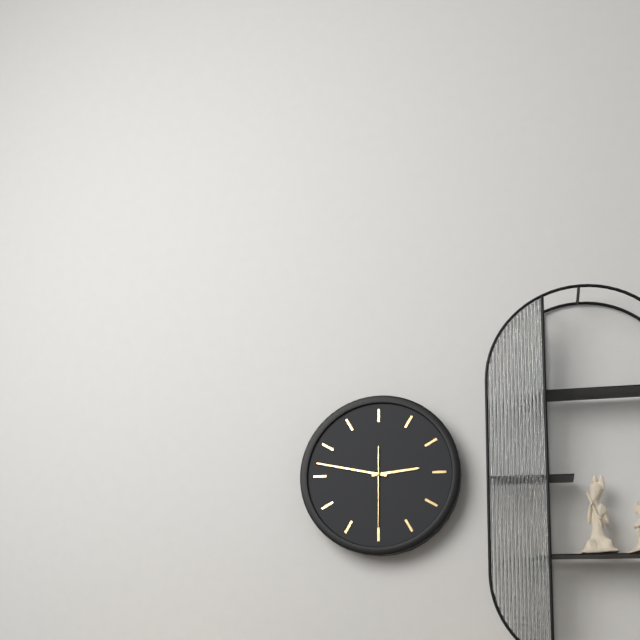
2:47:30
